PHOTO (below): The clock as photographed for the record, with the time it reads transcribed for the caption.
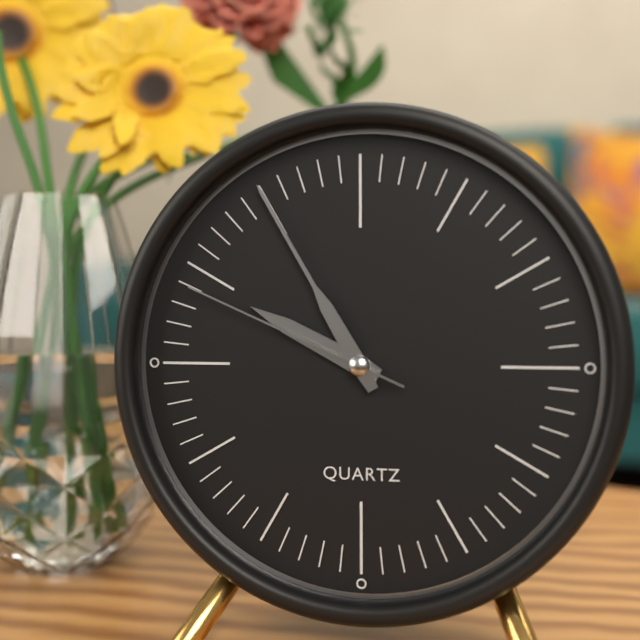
9:55:49
